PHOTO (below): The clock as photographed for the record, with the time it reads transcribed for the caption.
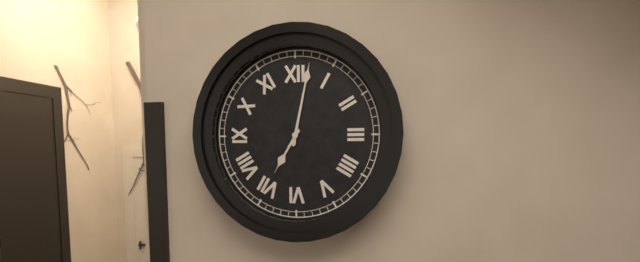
7:02
